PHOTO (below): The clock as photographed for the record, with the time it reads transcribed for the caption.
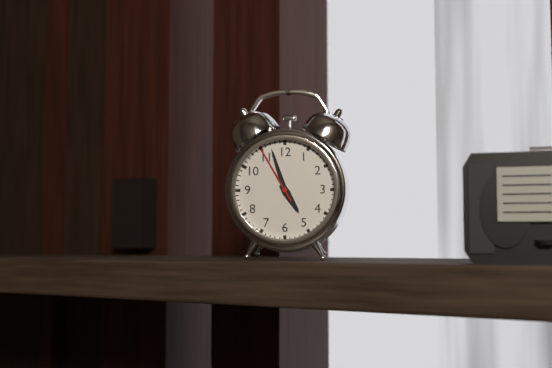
4:57:55
